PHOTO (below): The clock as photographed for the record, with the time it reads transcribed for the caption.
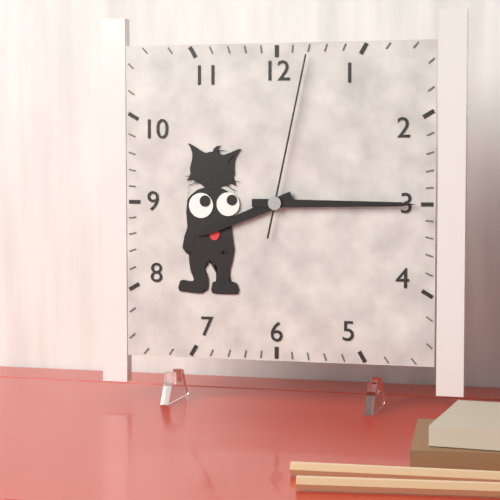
8:15:02
